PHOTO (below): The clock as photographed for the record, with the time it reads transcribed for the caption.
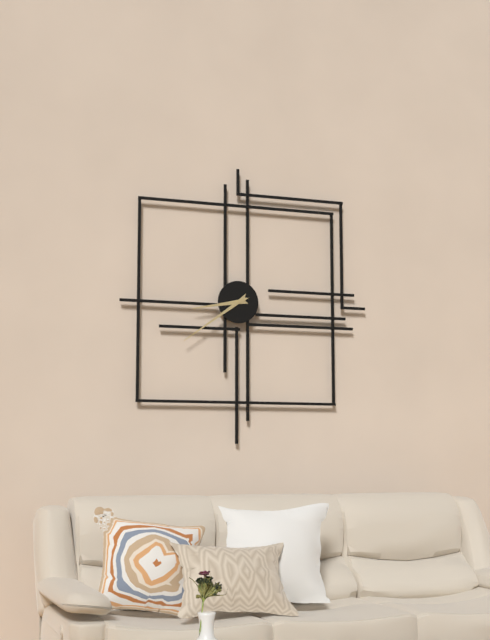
8:39
